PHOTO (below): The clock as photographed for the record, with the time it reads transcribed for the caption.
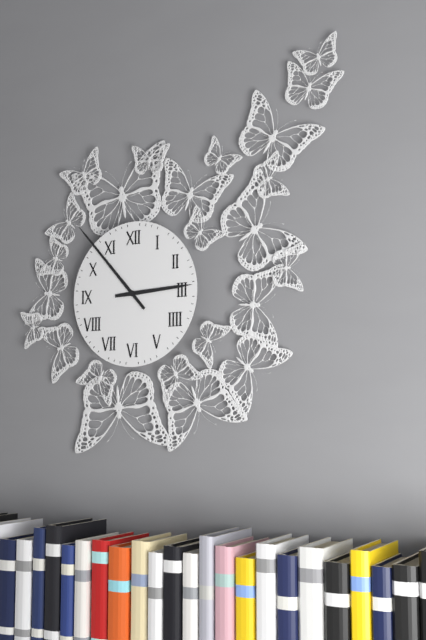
2:53
